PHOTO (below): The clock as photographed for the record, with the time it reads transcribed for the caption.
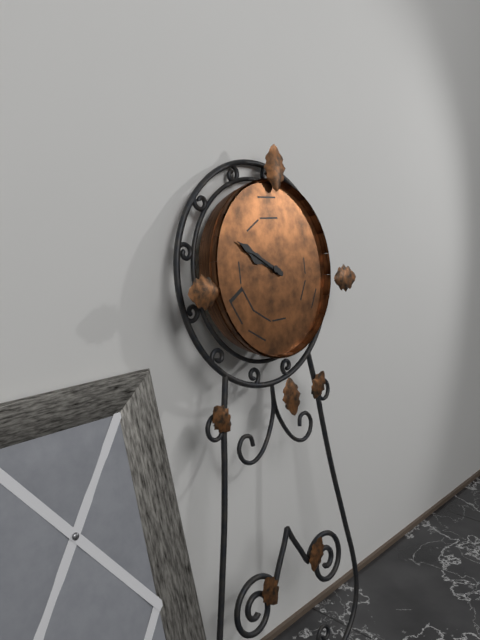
9:50
